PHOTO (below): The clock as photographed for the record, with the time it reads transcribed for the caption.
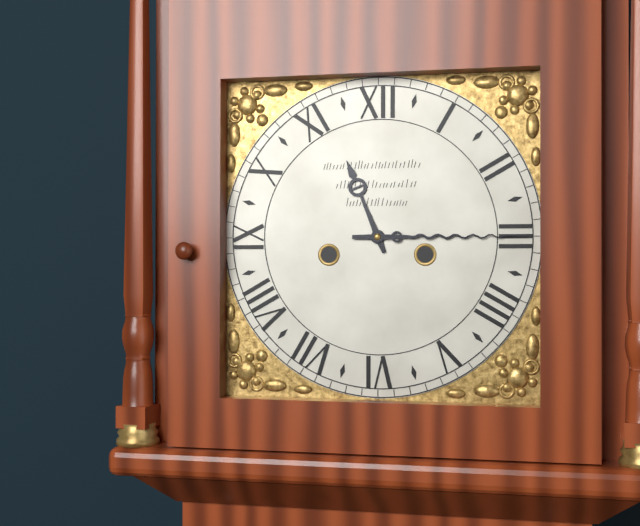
11:15
